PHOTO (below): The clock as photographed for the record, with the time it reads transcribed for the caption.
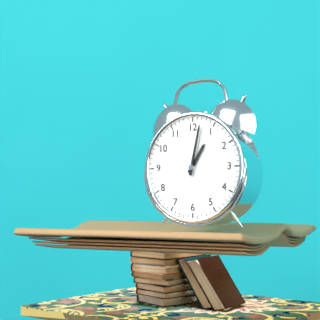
1:02
